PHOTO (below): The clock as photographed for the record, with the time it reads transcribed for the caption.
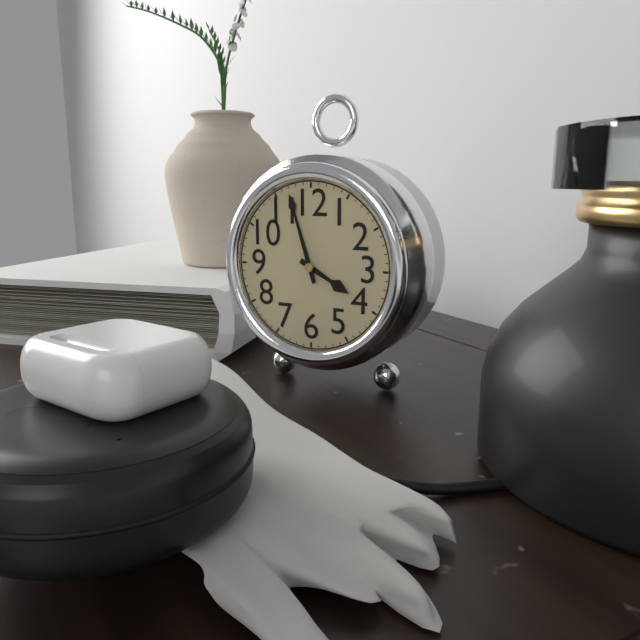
3:57
